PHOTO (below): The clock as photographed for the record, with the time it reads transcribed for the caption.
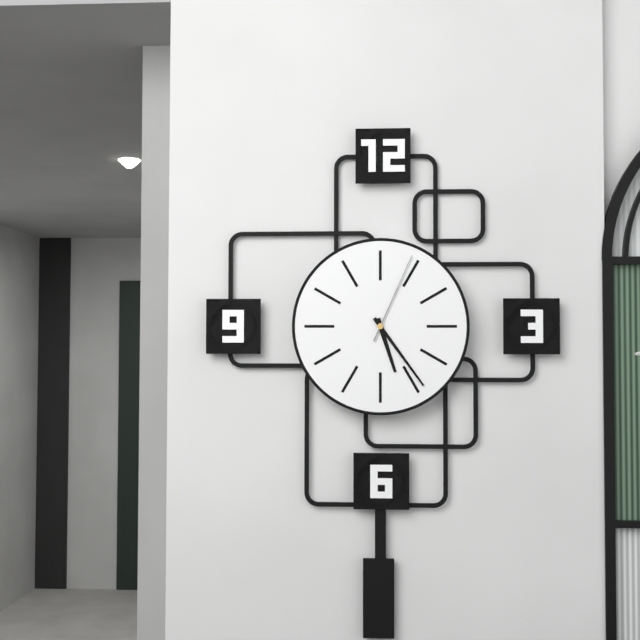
5:24:04
